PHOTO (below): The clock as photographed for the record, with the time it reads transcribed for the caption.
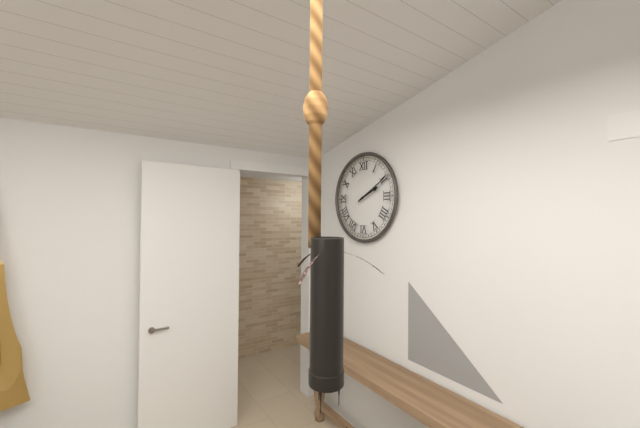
2:10
